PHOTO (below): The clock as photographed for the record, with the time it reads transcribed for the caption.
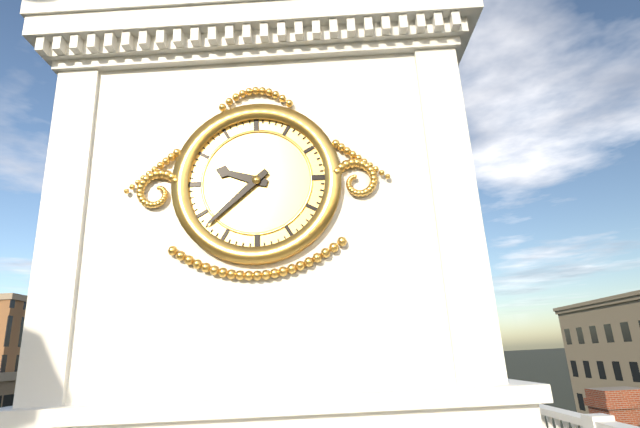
9:38
